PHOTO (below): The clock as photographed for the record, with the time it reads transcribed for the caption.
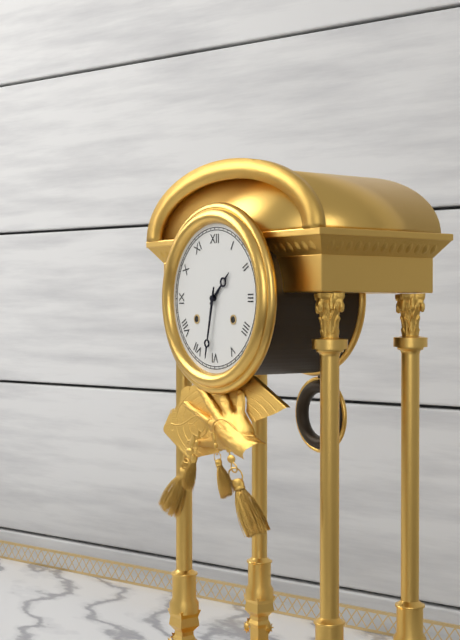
1:32
